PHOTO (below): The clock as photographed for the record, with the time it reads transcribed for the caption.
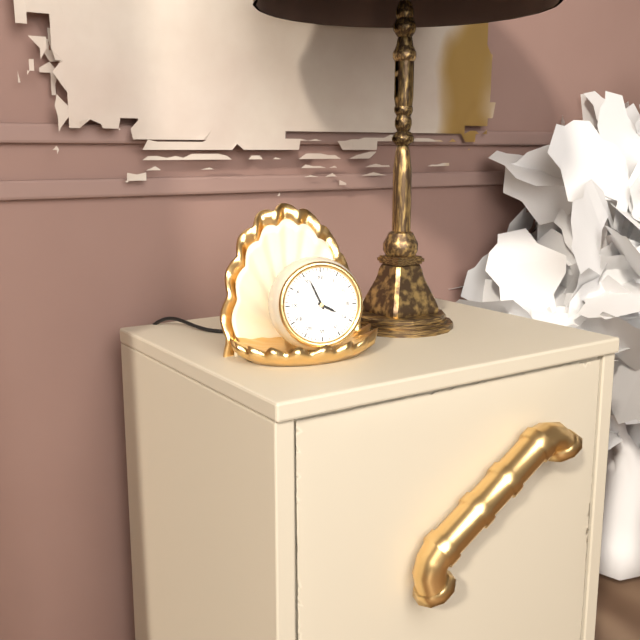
3:56
